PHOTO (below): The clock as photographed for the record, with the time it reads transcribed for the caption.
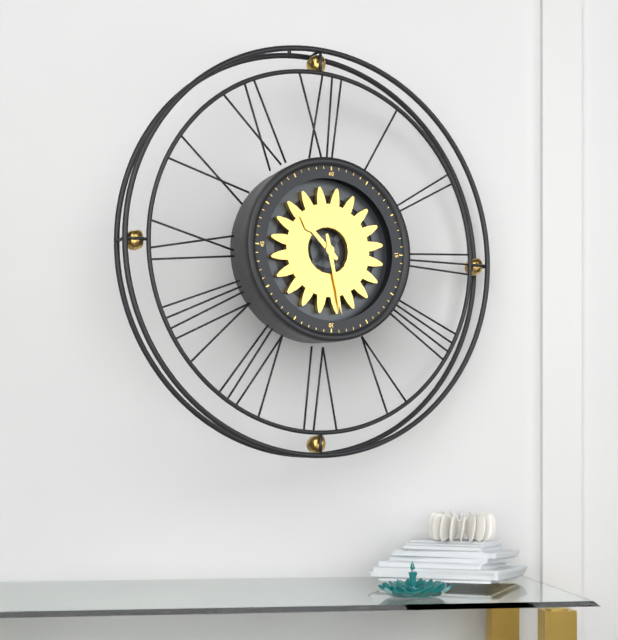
10:28
